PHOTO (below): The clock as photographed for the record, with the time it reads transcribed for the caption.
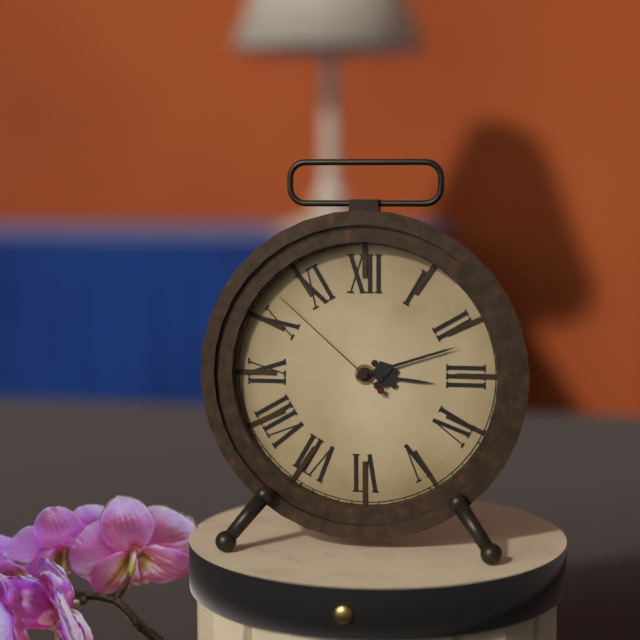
3:12:52
